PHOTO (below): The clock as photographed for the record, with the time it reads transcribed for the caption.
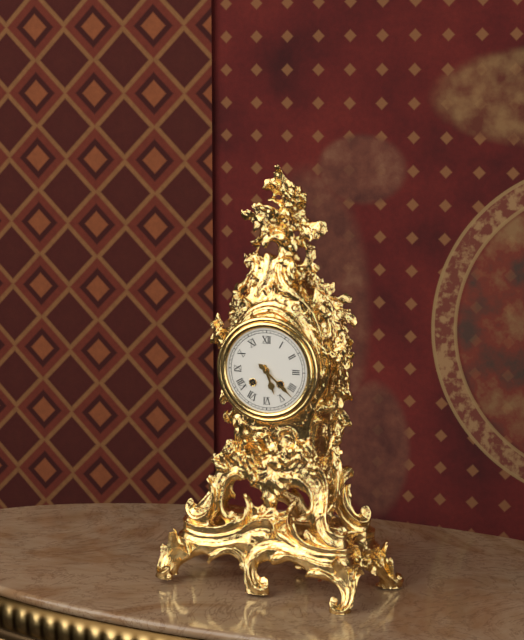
5:22
